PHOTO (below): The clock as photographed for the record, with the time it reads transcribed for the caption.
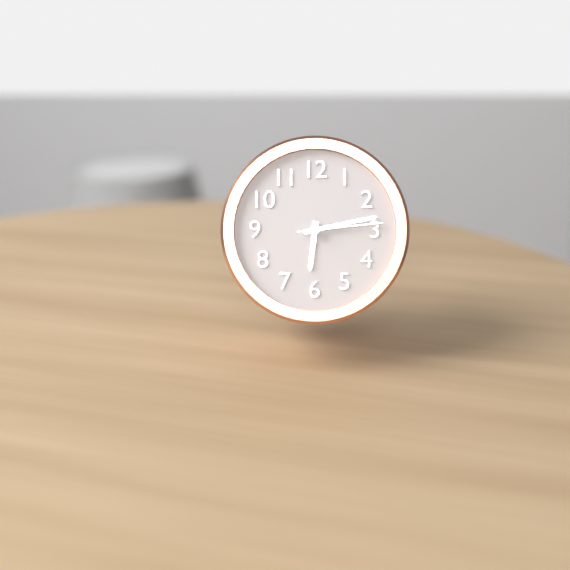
6:13:14
